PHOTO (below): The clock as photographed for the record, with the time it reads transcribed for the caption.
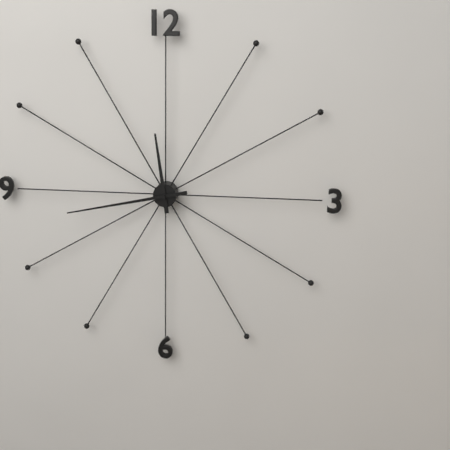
11:43
